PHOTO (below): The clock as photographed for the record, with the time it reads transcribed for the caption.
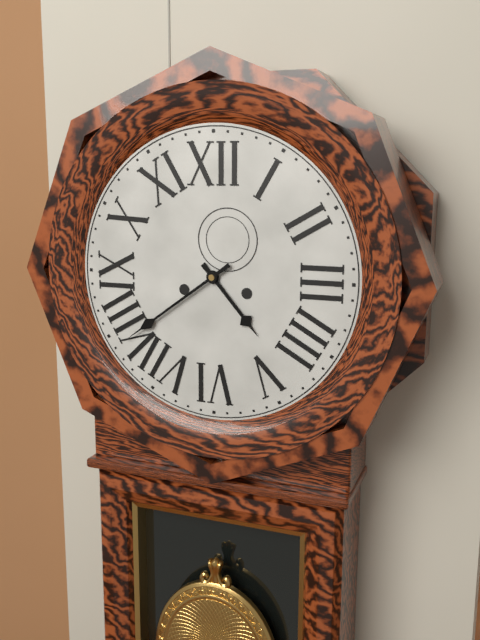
4:39
